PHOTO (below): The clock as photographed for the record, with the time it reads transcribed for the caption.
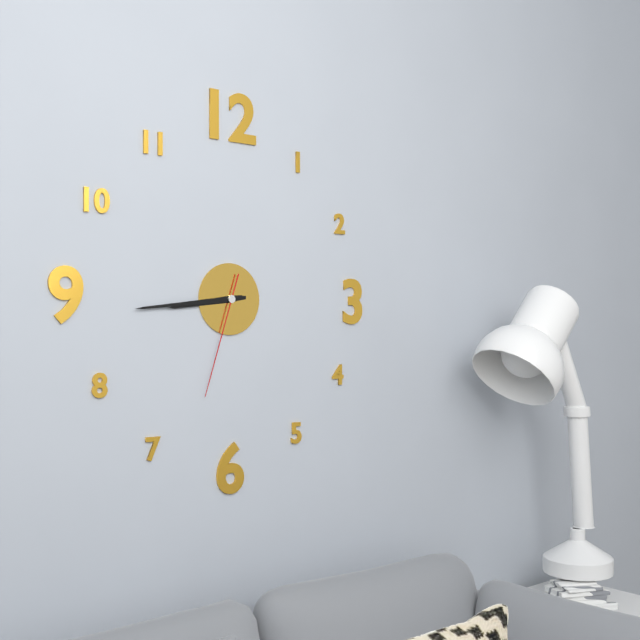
8:44:33
